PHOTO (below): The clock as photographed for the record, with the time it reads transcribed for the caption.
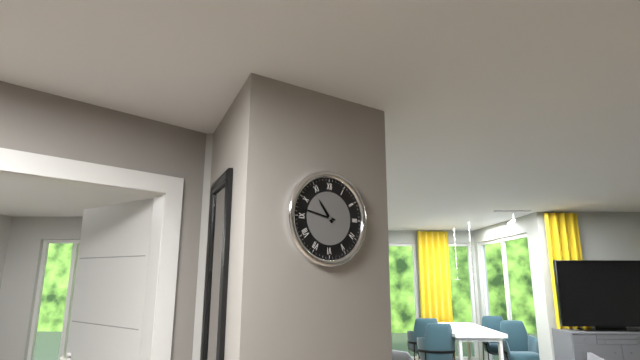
10:47
